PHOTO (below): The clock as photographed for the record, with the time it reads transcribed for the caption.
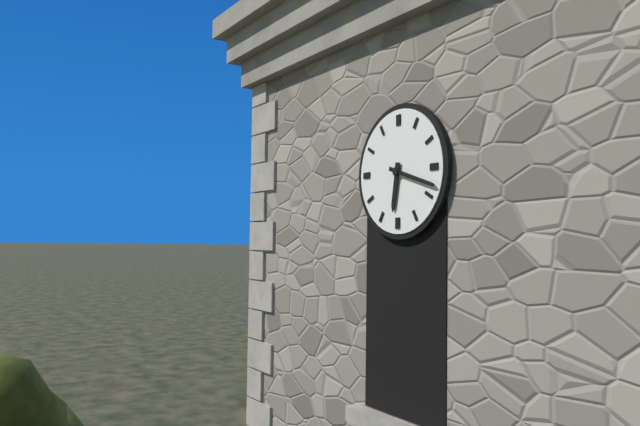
6:18
